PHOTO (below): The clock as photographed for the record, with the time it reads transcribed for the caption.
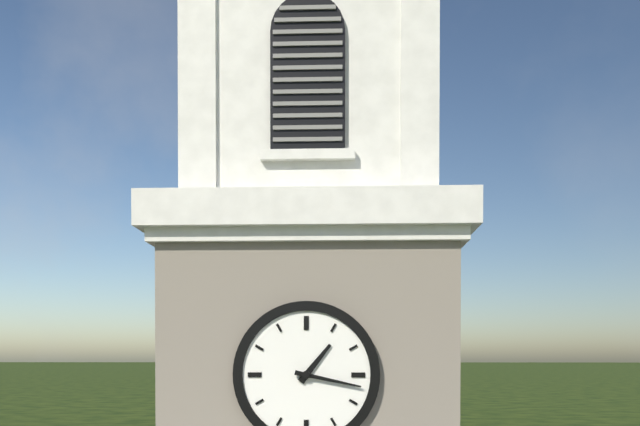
1:17
